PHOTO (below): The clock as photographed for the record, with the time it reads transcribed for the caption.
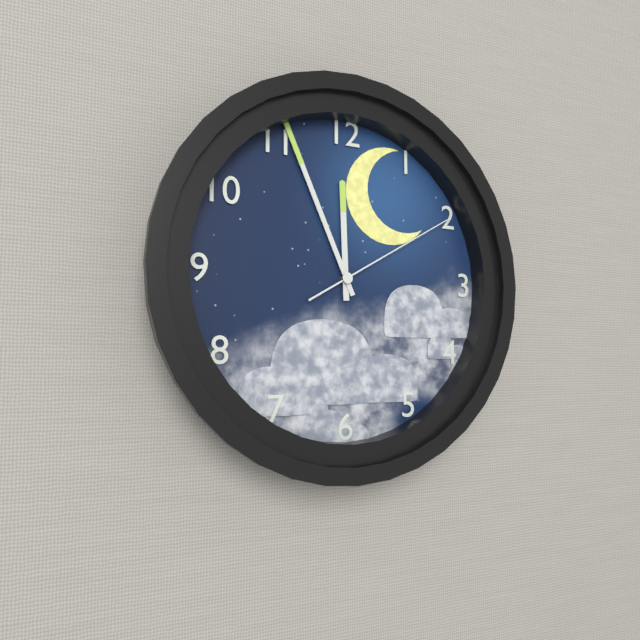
11:56:10
